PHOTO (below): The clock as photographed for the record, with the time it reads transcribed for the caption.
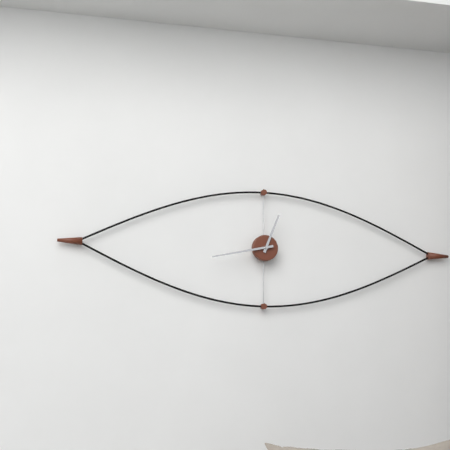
12:43
